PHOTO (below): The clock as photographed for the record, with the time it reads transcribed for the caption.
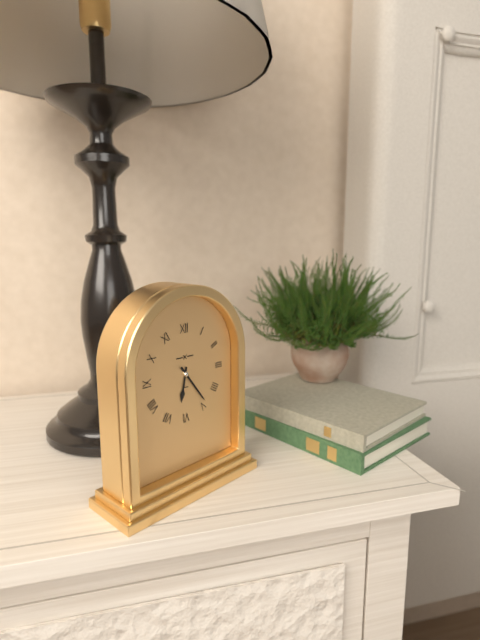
6:24
